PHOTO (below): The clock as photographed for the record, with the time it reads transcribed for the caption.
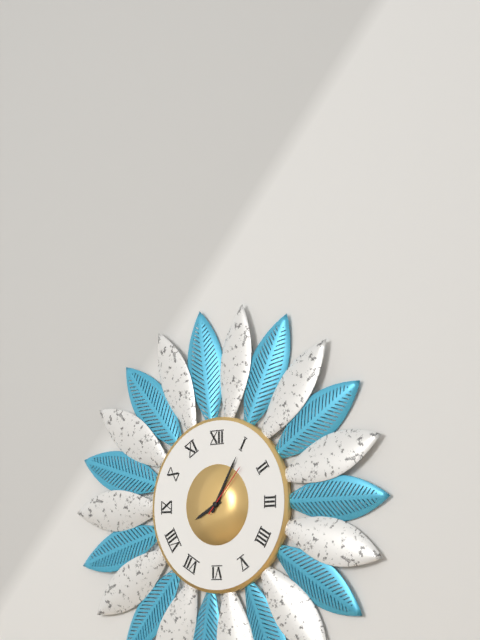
8:05:07
